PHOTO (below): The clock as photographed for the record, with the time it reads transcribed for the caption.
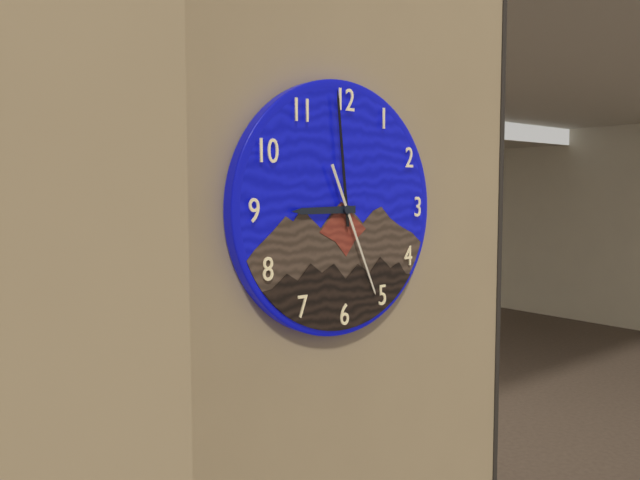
8:59:26
